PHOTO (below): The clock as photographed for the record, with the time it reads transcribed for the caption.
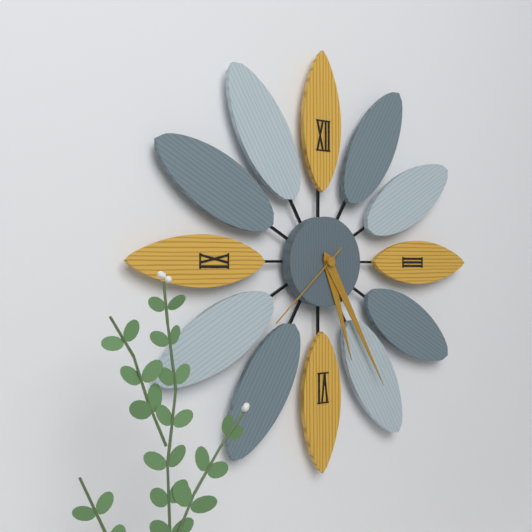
5:25:38
